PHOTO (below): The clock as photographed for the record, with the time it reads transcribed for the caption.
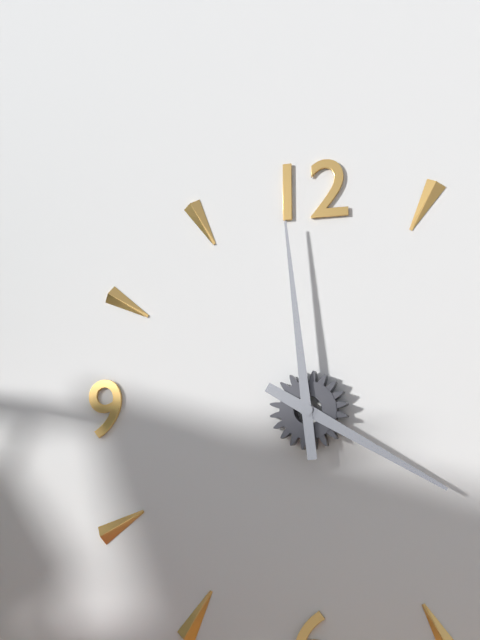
3:59
